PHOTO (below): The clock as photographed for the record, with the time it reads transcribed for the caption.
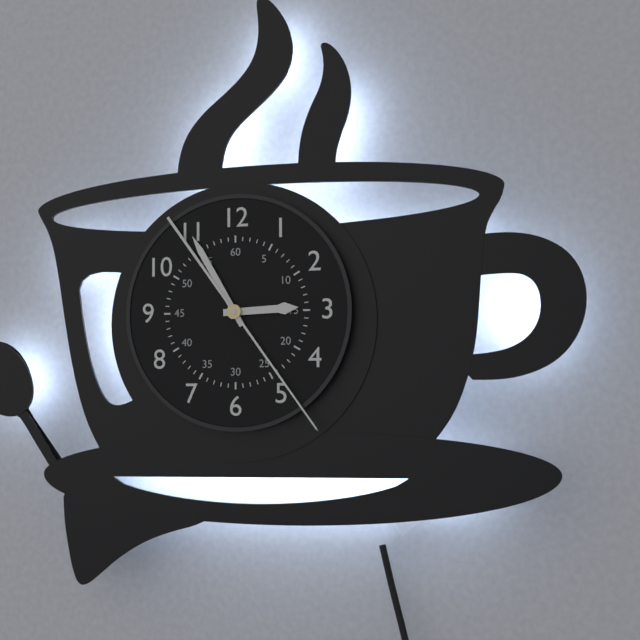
2:55:24
